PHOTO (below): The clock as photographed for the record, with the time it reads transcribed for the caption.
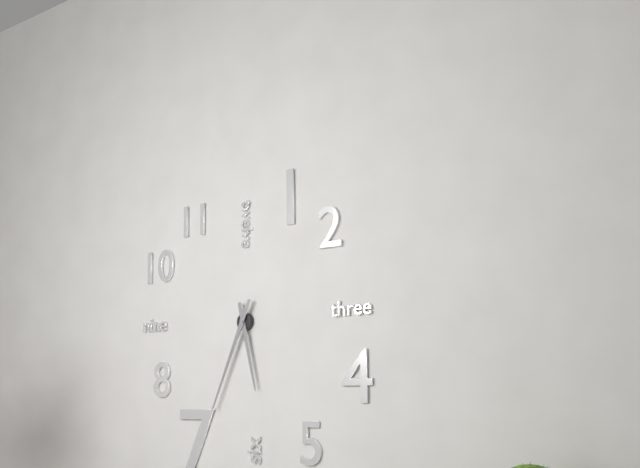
5:34
